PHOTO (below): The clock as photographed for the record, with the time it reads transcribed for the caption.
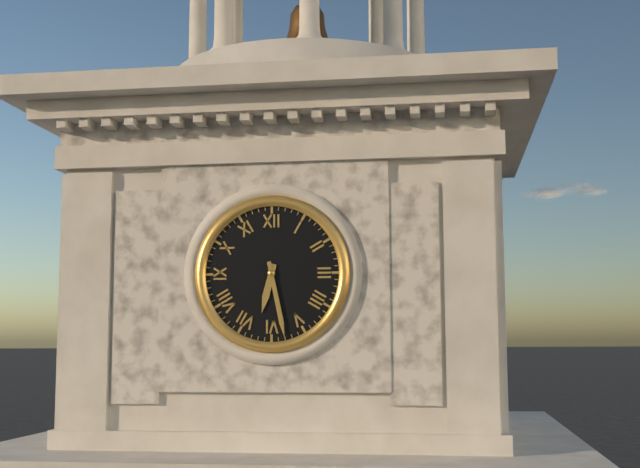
6:28
